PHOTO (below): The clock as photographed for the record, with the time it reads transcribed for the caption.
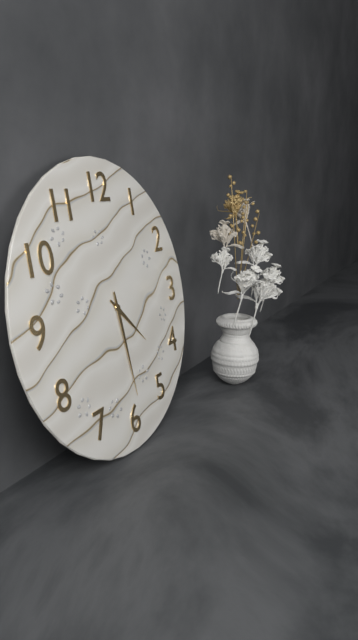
4:29
